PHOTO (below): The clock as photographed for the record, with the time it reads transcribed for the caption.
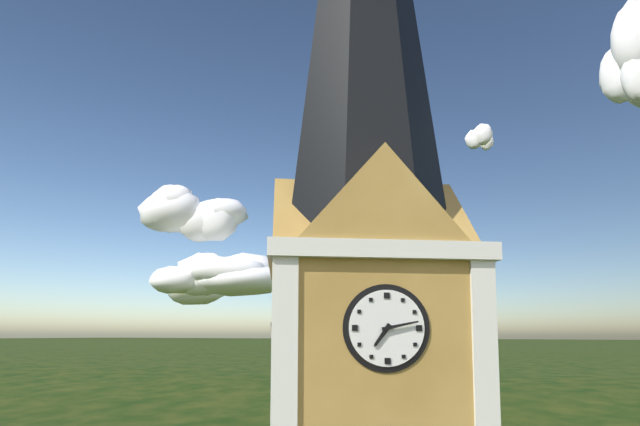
7:13
